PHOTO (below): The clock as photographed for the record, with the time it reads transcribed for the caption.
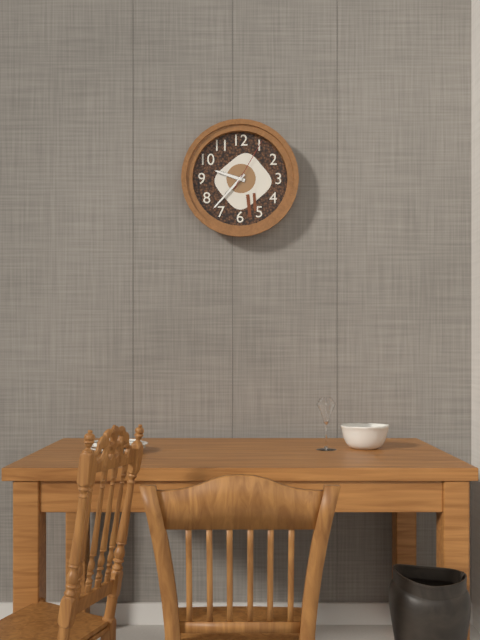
9:37:05
